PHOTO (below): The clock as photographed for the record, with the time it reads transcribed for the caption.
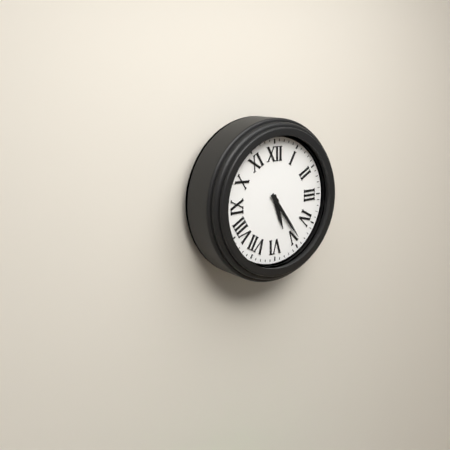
5:24
